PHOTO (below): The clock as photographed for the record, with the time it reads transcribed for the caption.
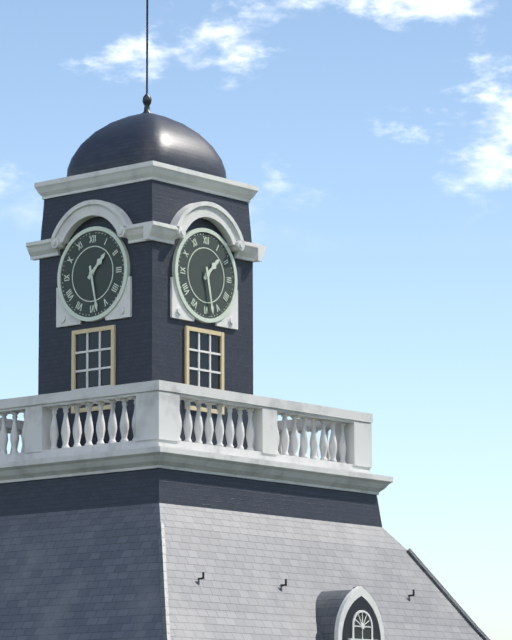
1:28
